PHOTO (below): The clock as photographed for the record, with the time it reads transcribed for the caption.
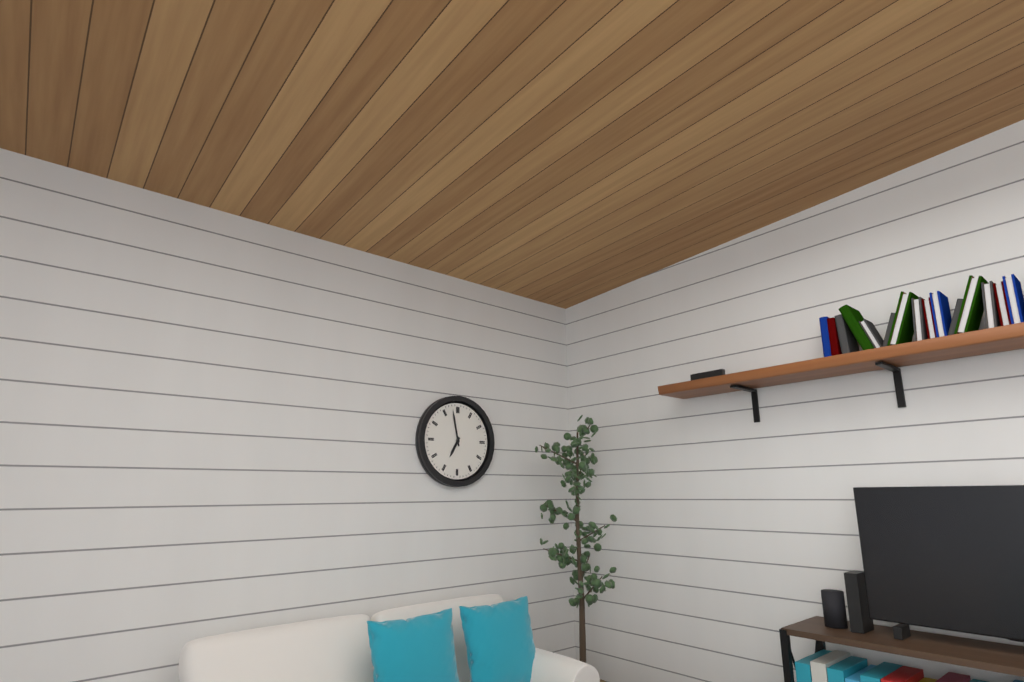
6:58
